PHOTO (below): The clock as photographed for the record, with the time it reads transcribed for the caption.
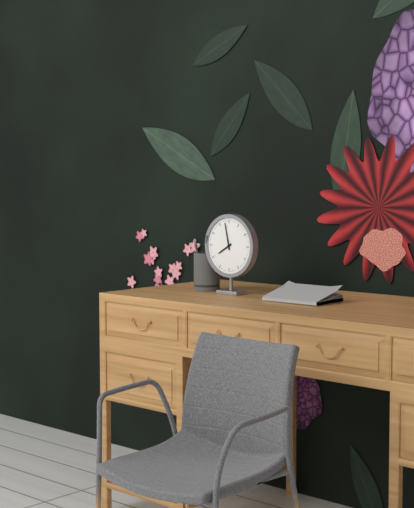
7:58
